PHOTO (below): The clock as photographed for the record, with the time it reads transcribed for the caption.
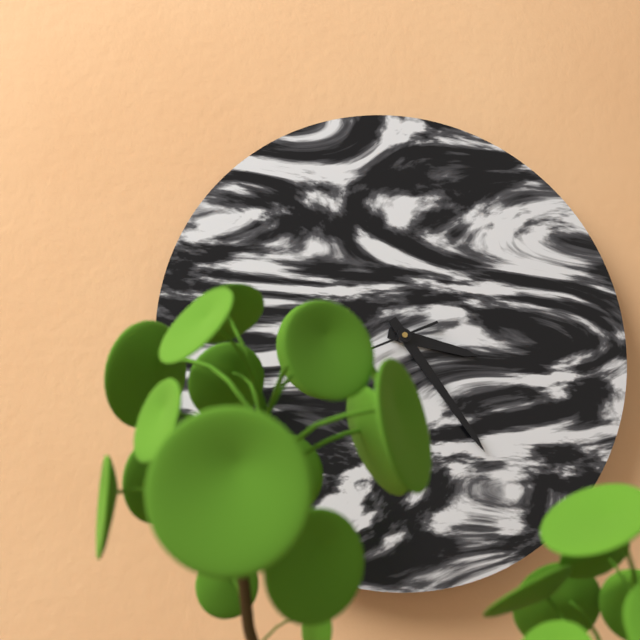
3:24
